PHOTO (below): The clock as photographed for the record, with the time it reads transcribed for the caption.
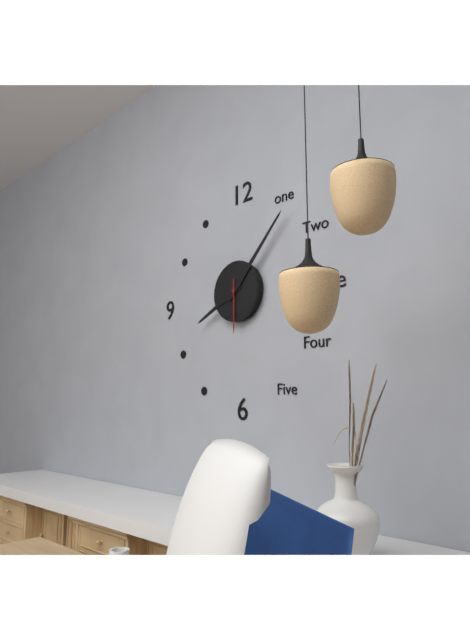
8:07:30
